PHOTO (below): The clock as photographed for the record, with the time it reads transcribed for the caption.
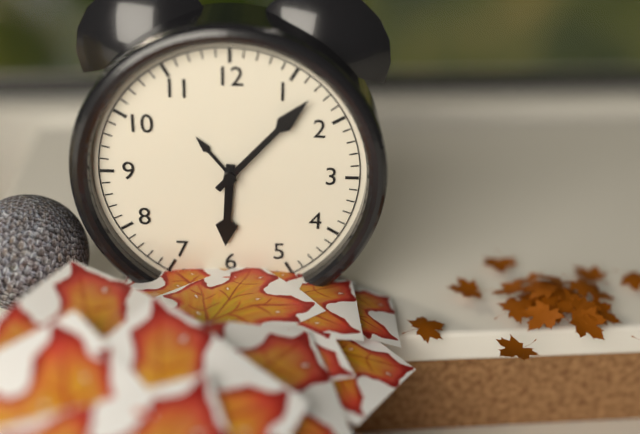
6:07
